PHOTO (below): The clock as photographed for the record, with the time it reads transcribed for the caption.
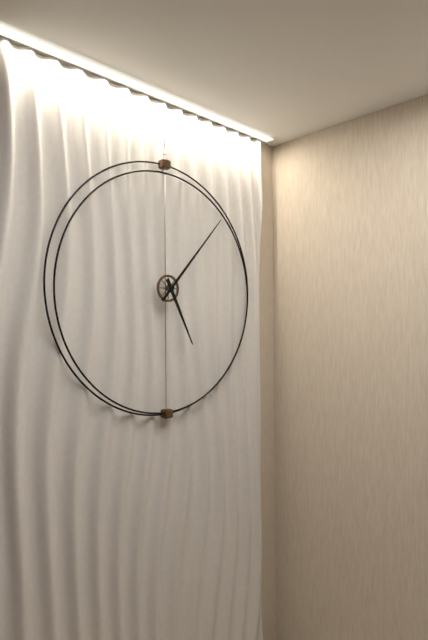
5:07
